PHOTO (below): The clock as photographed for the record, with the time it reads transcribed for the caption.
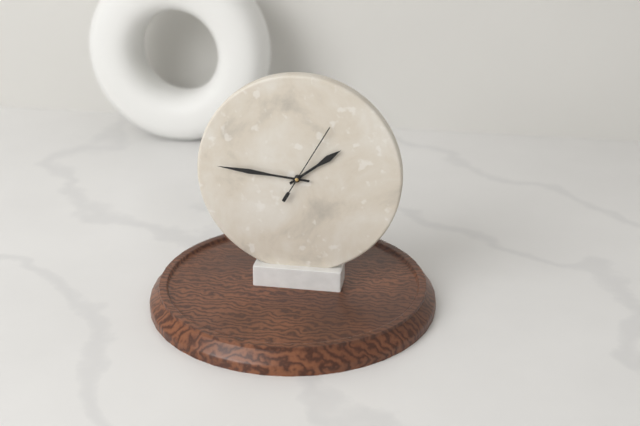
1:46:05
